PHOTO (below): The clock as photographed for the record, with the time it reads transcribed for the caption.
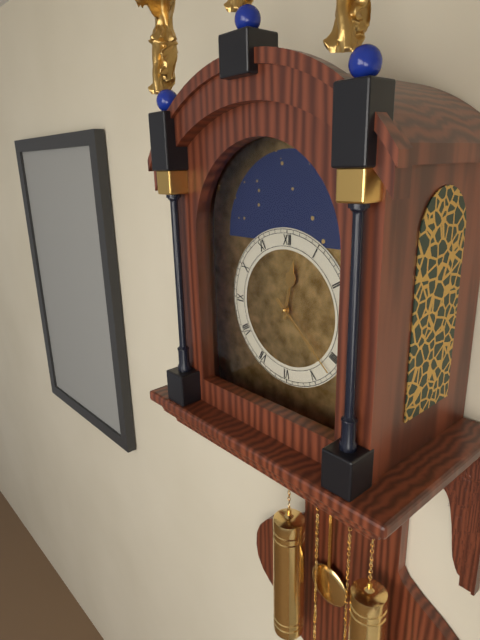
12:22
